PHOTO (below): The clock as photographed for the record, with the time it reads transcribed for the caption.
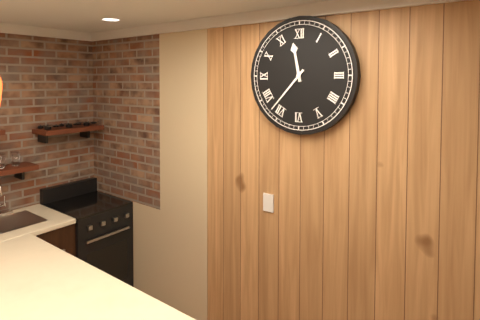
11:37
